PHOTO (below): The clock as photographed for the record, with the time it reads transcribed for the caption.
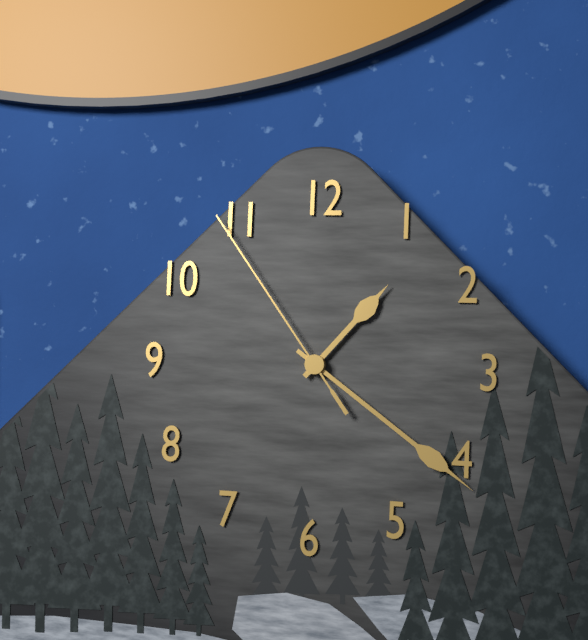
1:21:54
